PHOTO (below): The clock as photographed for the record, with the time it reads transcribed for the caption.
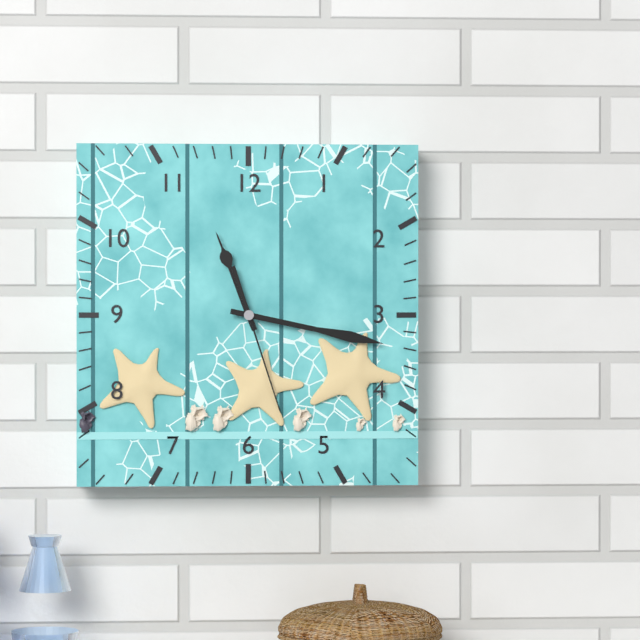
11:17:27
